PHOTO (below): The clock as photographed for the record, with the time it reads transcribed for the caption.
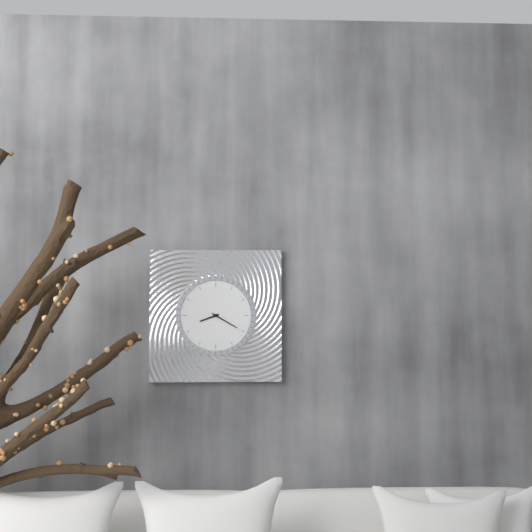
8:20
